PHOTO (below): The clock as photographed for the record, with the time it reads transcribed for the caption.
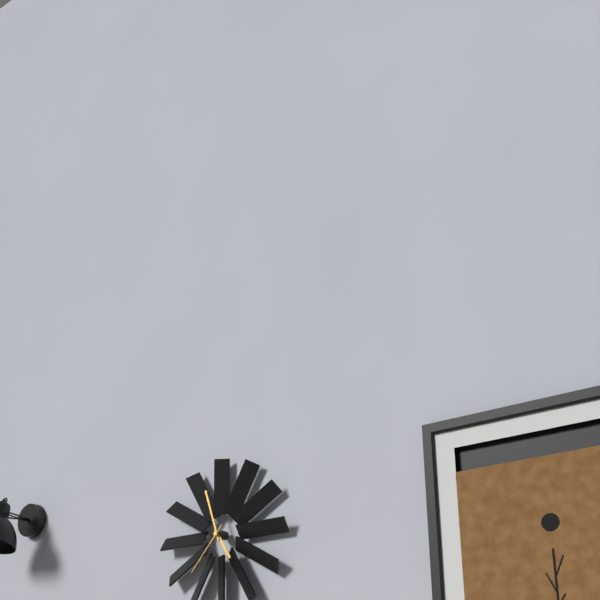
4:57:37
